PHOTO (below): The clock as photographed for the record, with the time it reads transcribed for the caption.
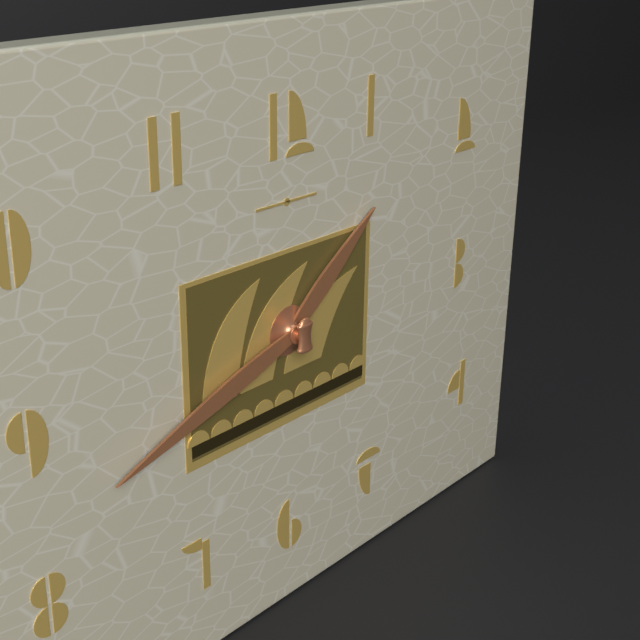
1:42
